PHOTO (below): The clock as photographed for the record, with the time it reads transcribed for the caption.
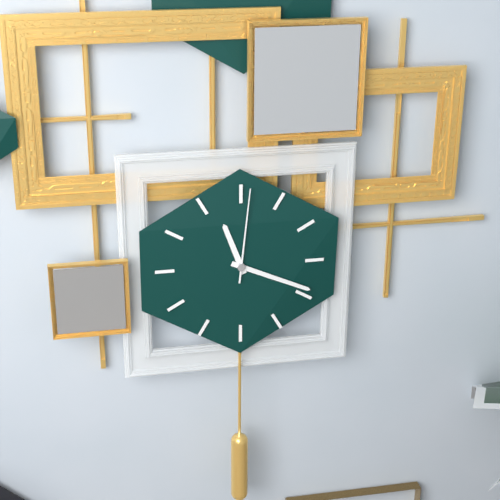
11:19:01
